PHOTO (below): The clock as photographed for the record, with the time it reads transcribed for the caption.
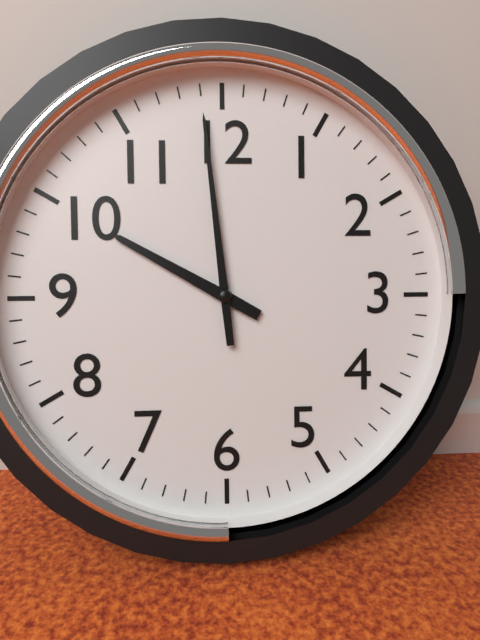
9:59
